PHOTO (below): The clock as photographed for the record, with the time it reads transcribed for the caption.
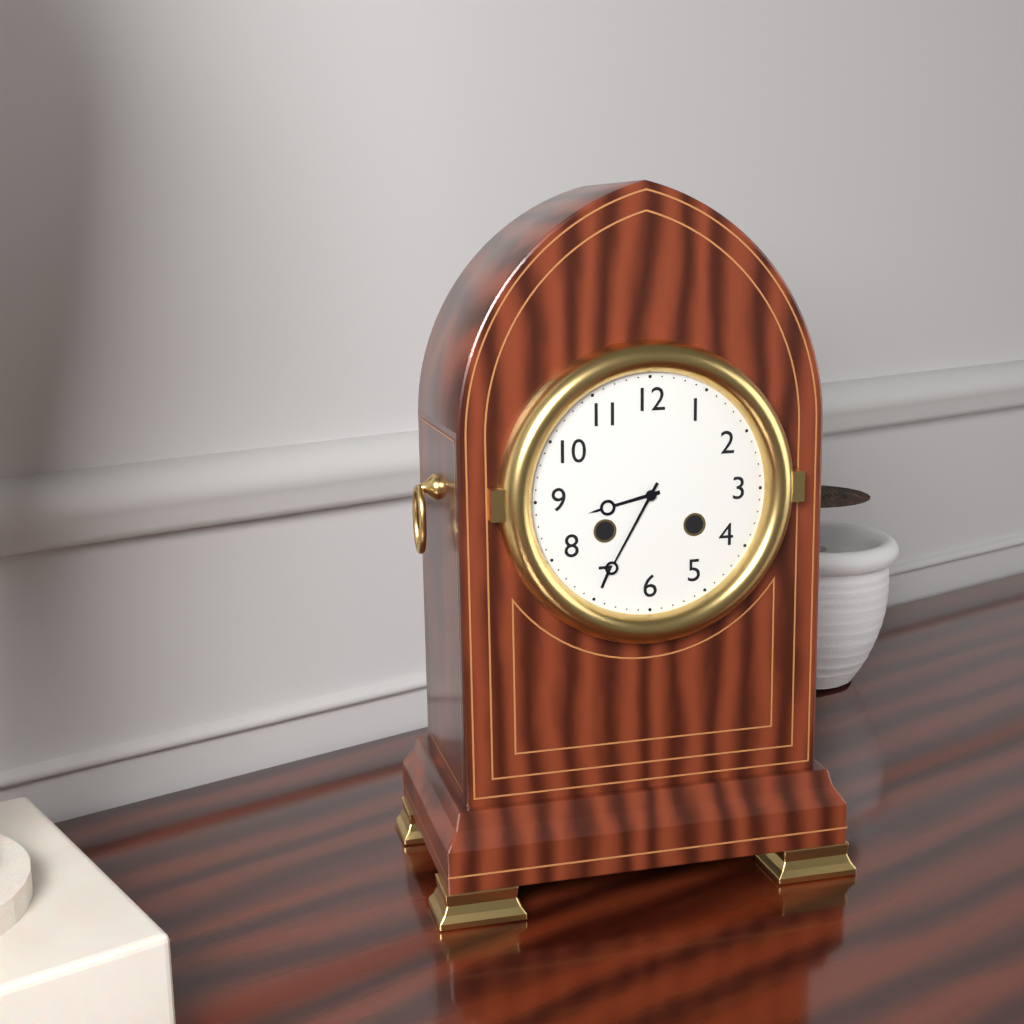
8:35
